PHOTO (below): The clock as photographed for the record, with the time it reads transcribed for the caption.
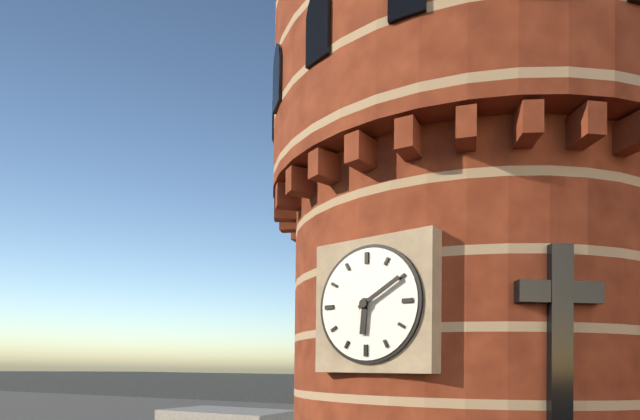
6:10
